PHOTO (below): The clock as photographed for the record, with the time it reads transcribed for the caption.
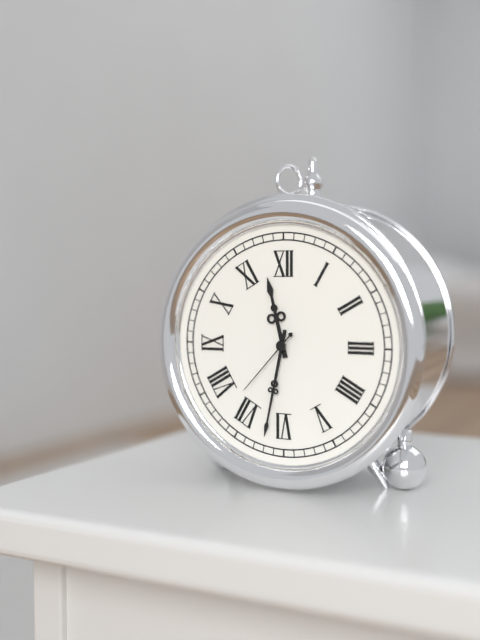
11:32:37
